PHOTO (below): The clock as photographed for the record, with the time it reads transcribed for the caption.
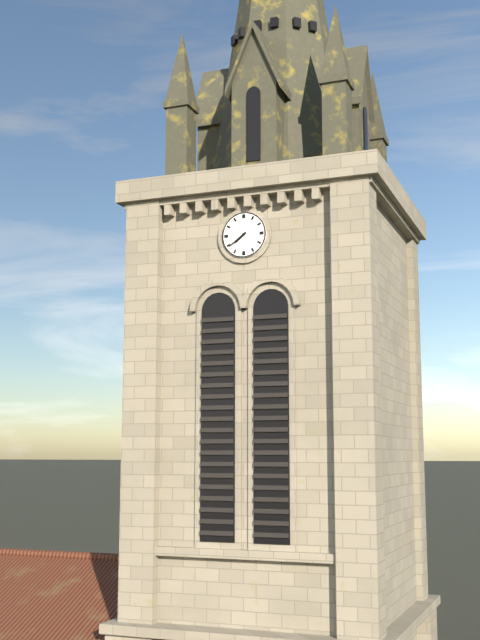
7:39
